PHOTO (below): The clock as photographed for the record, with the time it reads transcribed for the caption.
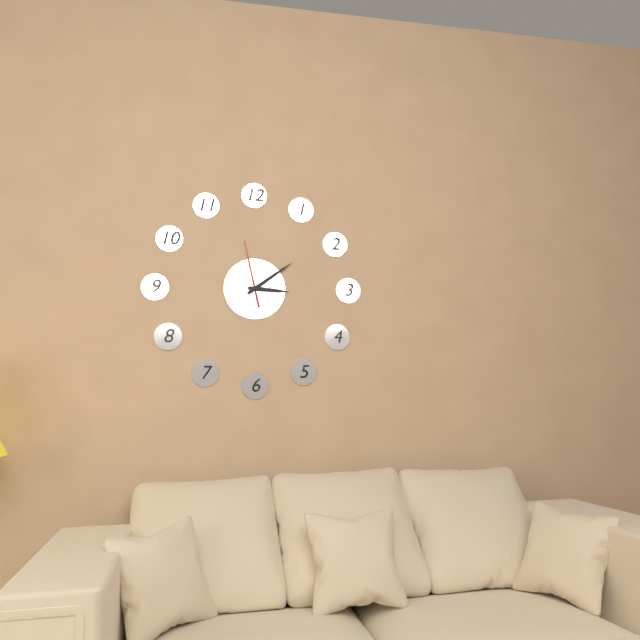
3:09:58
